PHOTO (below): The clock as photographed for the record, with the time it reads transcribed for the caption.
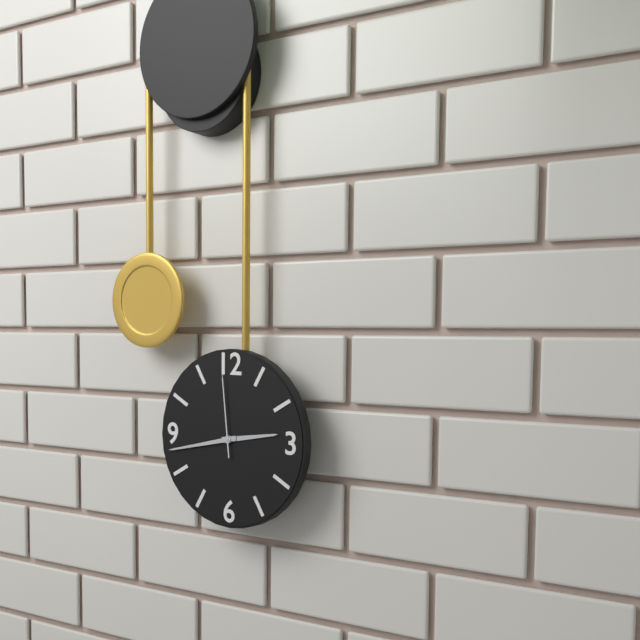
2:43:59
